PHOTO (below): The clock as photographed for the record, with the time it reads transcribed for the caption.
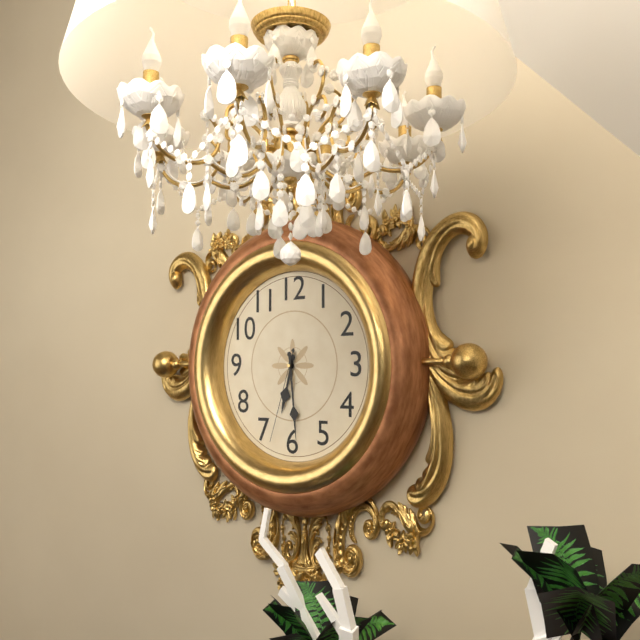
6:29:33
